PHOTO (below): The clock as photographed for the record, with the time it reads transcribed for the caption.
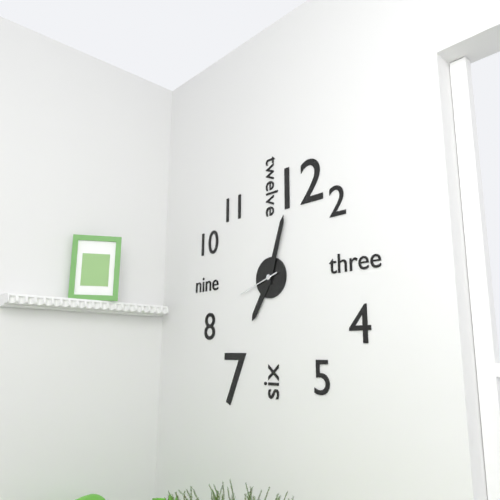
7:03
